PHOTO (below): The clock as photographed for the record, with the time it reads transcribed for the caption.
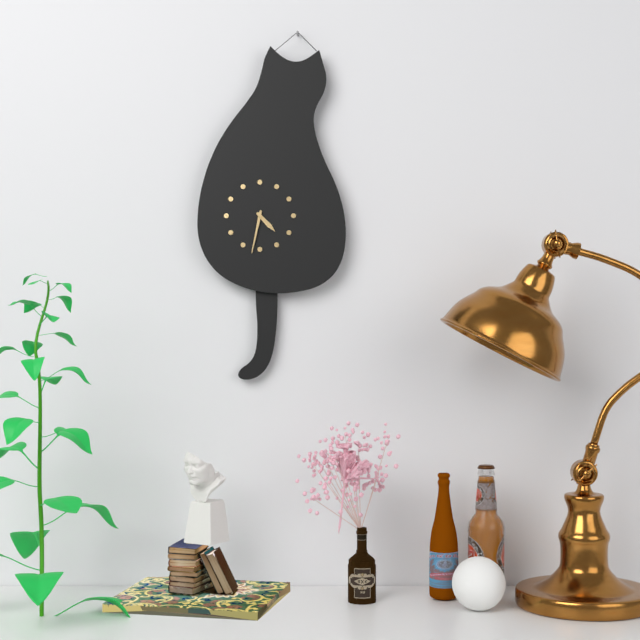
4:32
